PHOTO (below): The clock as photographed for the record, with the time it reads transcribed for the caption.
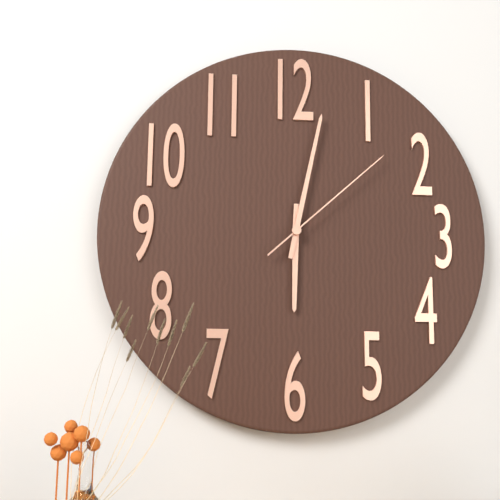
6:02:08
